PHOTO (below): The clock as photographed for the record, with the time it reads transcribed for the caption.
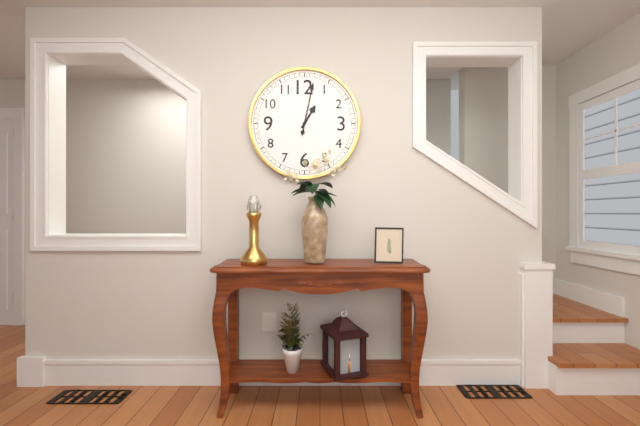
1:02
